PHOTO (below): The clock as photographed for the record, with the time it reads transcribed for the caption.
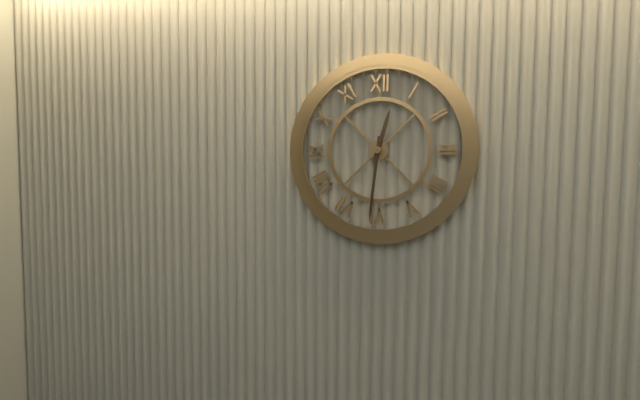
12:31
